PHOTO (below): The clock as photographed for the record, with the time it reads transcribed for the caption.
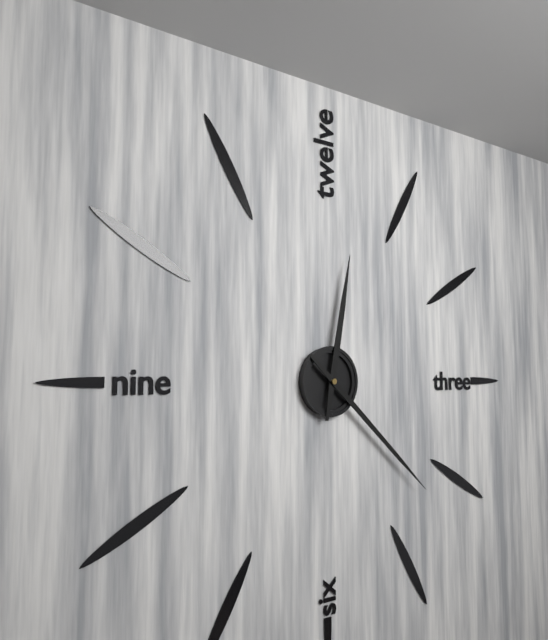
12:22
